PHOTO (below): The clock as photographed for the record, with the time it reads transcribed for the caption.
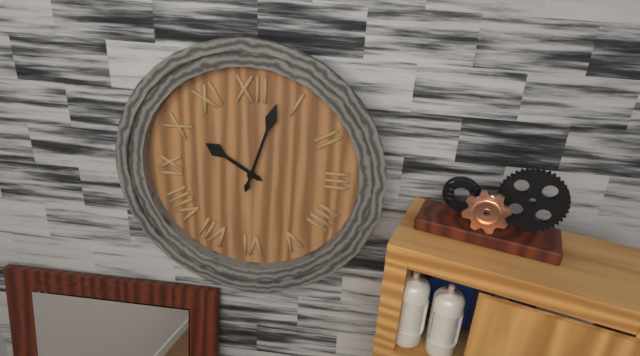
10:03
